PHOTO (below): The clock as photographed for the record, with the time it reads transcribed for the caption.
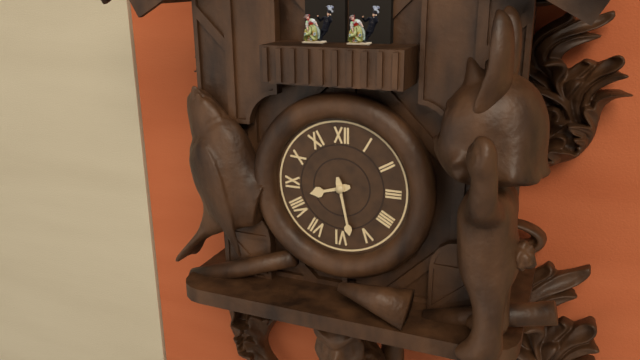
8:28
